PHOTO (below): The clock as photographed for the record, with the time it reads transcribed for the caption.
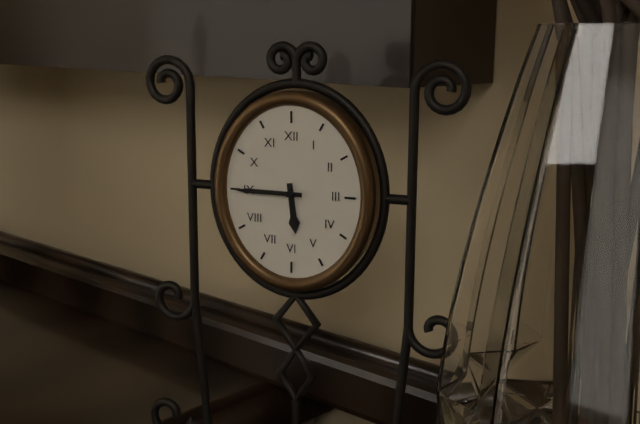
5:45
